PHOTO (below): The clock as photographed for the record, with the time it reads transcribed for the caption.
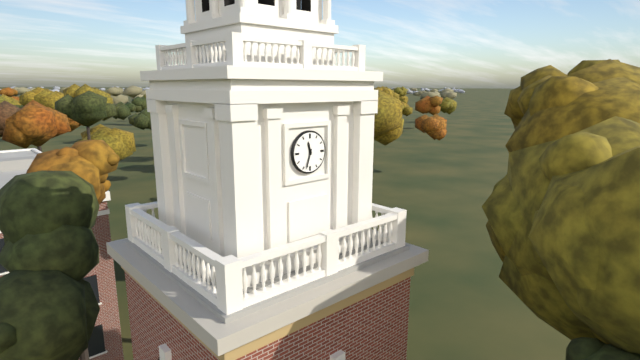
11:33
